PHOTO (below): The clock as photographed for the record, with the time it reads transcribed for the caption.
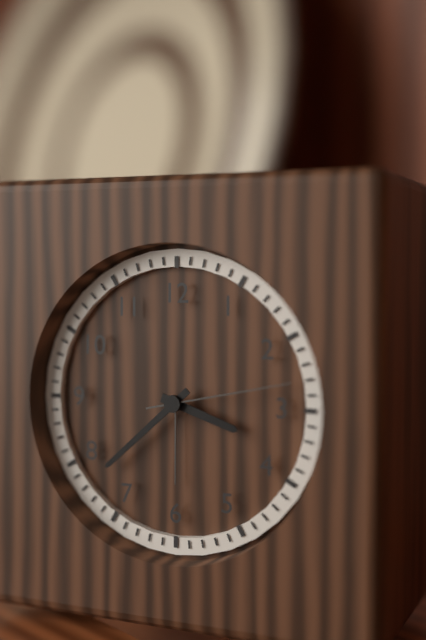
3:38:13
